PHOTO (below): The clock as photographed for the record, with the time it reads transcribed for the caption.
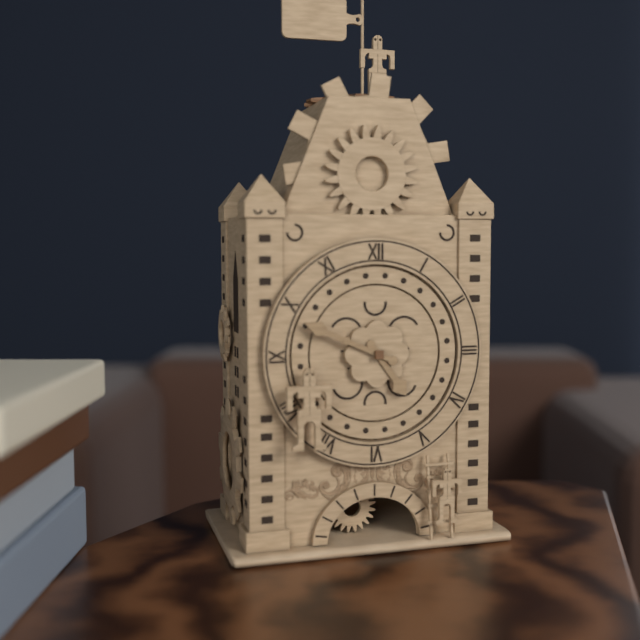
4:49
